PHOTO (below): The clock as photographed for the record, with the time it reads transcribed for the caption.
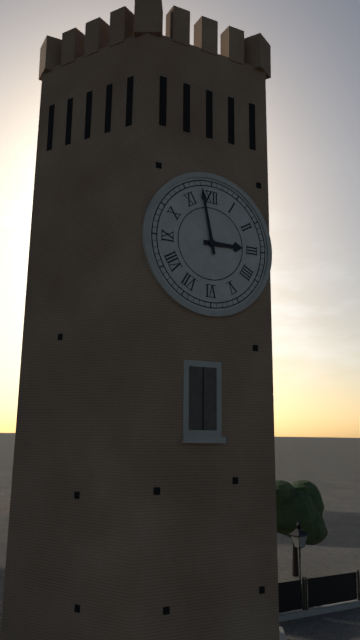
2:58
